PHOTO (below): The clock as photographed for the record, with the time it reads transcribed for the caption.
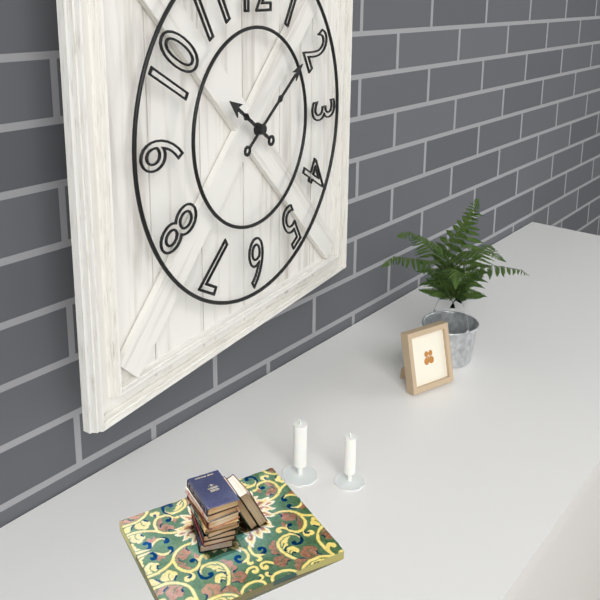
10:09
